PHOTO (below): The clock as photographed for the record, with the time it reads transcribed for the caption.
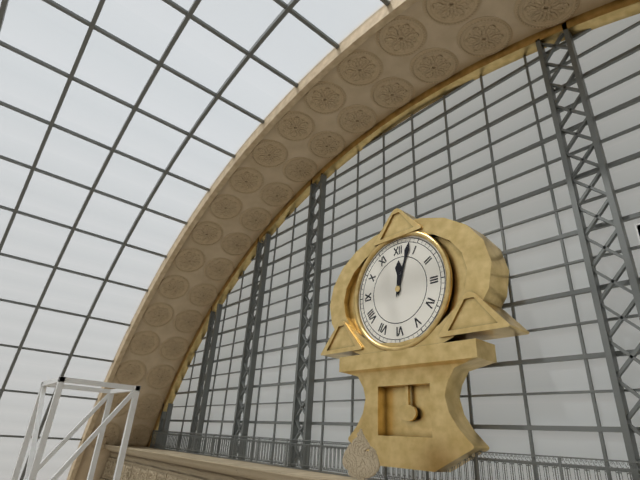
12:03
